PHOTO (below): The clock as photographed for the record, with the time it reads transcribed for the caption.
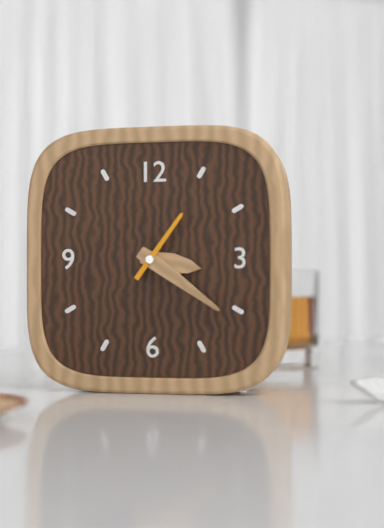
3:21:06
